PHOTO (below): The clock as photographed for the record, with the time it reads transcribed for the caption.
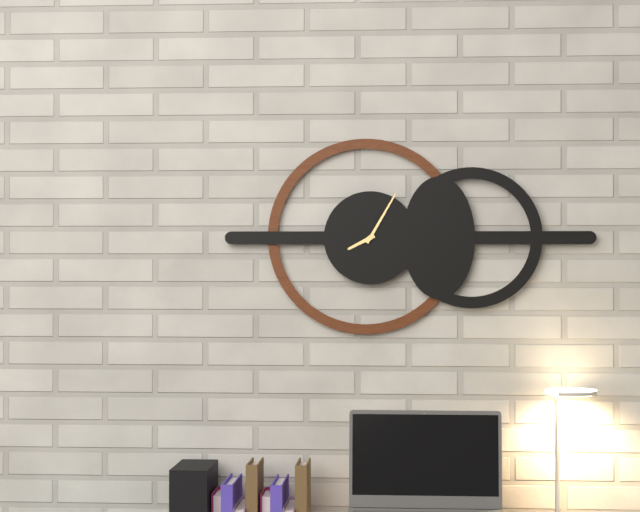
8:05
